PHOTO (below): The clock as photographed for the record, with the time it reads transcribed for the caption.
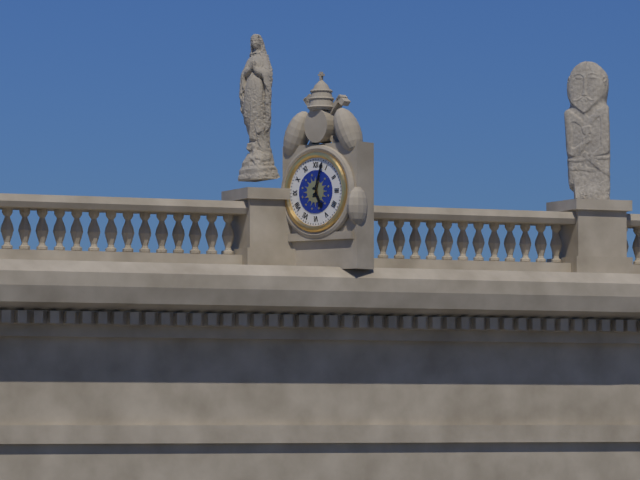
5:03
